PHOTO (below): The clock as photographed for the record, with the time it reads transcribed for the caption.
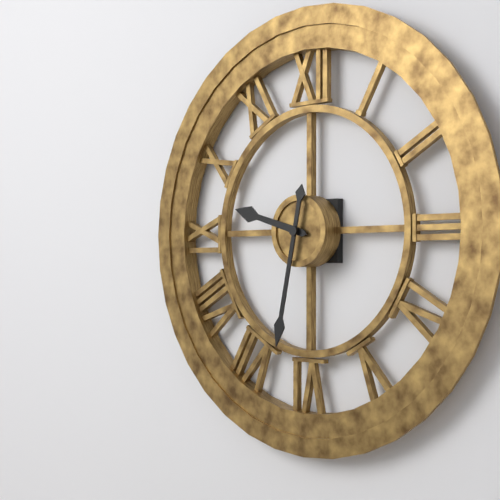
9:32
